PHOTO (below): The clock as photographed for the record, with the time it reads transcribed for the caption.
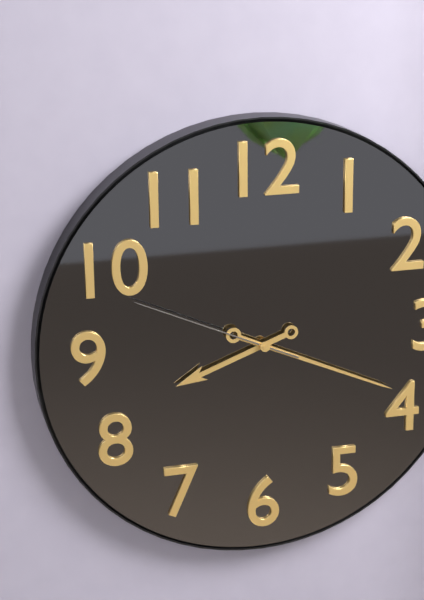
8:19:49
